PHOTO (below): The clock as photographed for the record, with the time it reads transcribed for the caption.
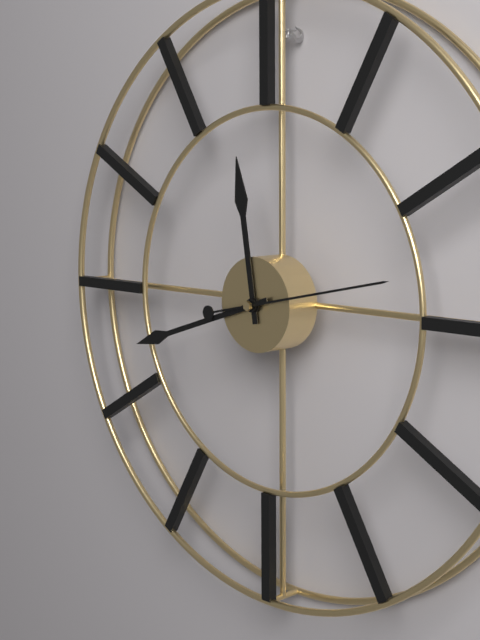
11:42:13
